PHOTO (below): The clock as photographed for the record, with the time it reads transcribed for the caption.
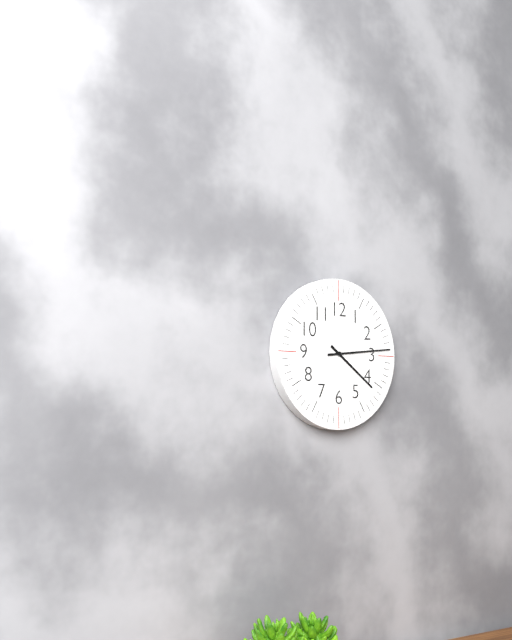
4:14
